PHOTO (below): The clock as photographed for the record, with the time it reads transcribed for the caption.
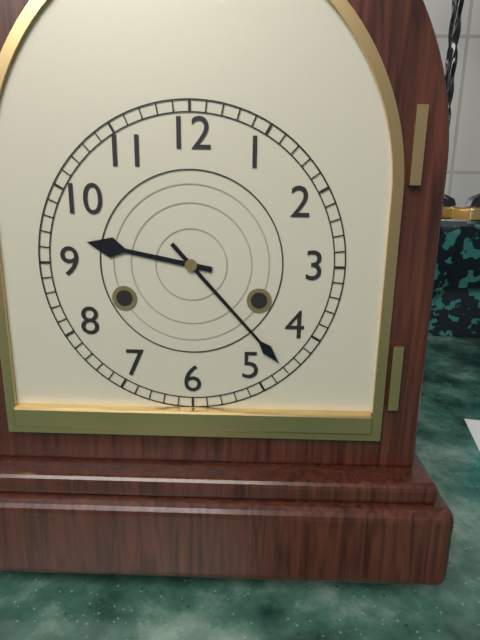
9:23
